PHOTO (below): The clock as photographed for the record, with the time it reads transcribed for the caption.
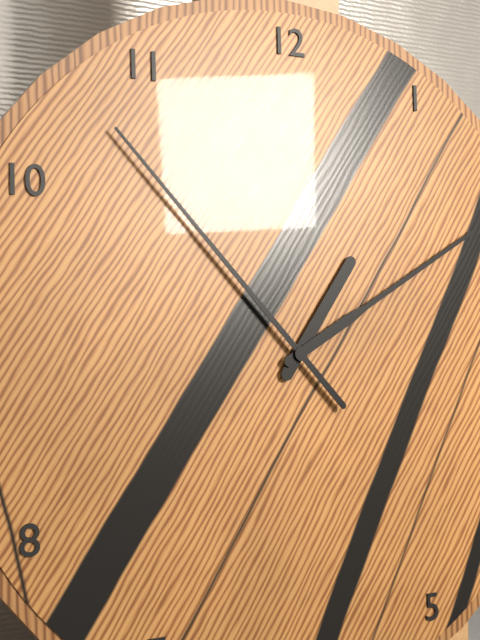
1:10:53
